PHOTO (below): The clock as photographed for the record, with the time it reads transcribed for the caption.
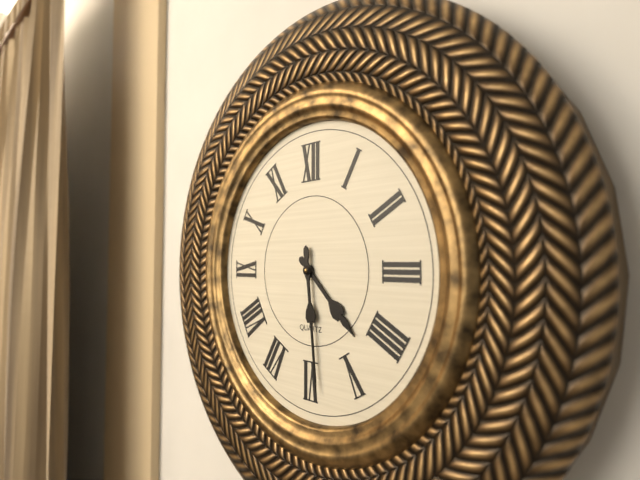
4:29
